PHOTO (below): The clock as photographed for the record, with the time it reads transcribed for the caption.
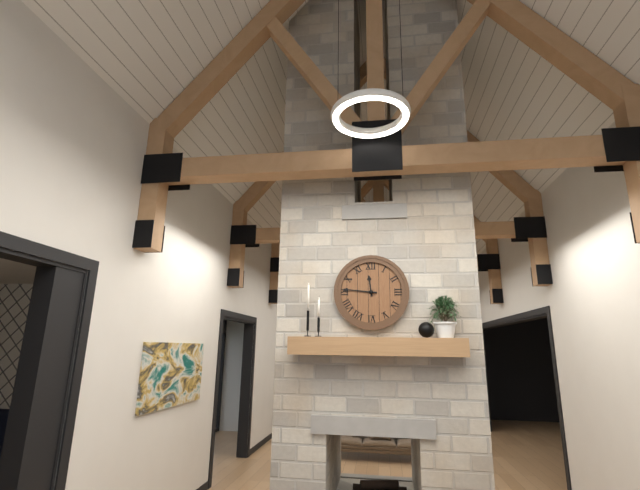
11:46
